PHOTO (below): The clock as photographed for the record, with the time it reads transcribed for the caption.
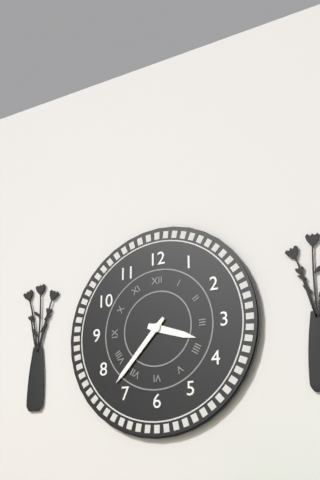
3:37
